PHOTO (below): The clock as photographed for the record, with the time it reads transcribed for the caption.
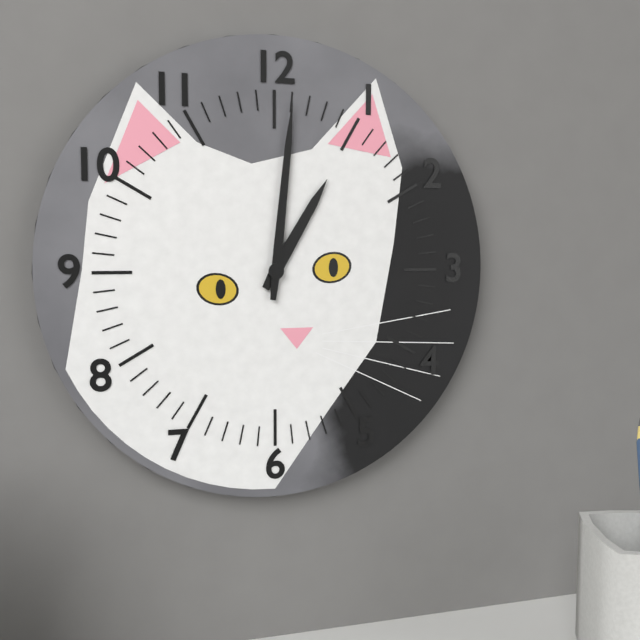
1:01
